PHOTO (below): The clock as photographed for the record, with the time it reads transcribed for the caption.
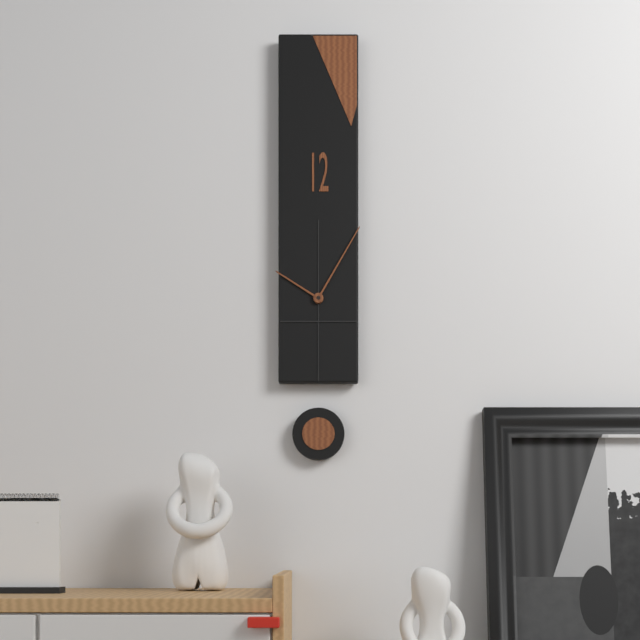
10:05
